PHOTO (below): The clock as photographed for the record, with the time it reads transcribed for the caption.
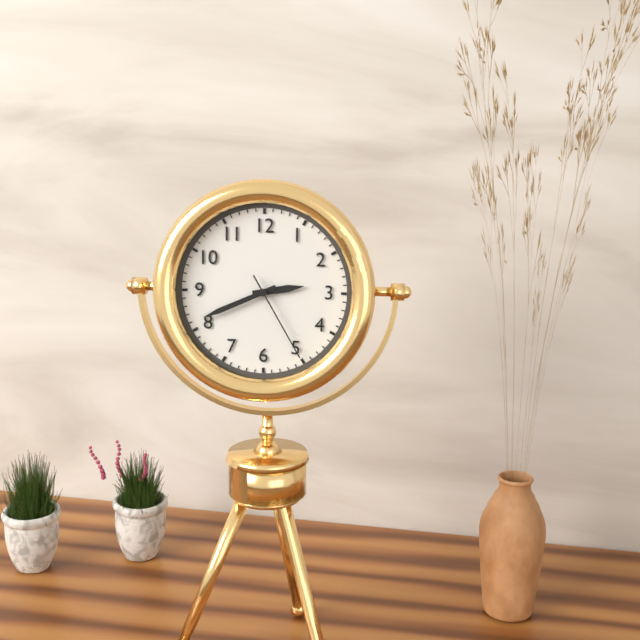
2:41:25
